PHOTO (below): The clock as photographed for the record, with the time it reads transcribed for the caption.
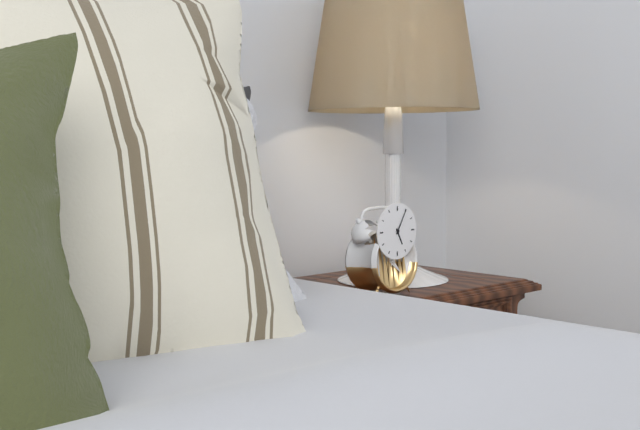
5:05
